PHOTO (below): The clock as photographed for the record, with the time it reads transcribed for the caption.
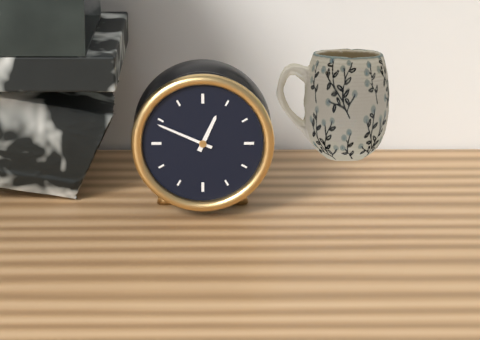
12:49
